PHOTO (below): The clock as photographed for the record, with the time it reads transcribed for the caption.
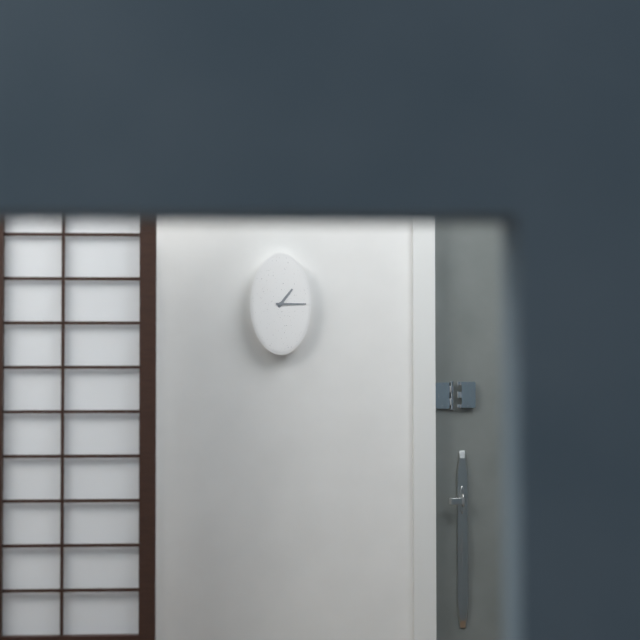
1:15
